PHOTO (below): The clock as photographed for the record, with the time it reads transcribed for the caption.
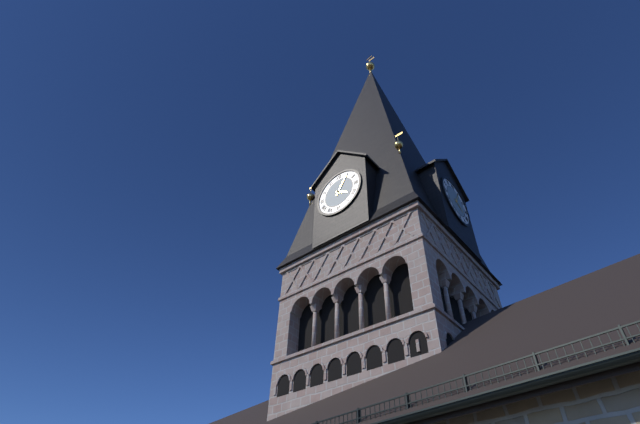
4:05
